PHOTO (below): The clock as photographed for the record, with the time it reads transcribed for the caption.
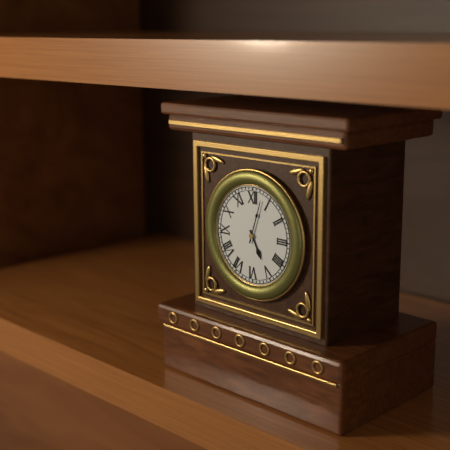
5:03
